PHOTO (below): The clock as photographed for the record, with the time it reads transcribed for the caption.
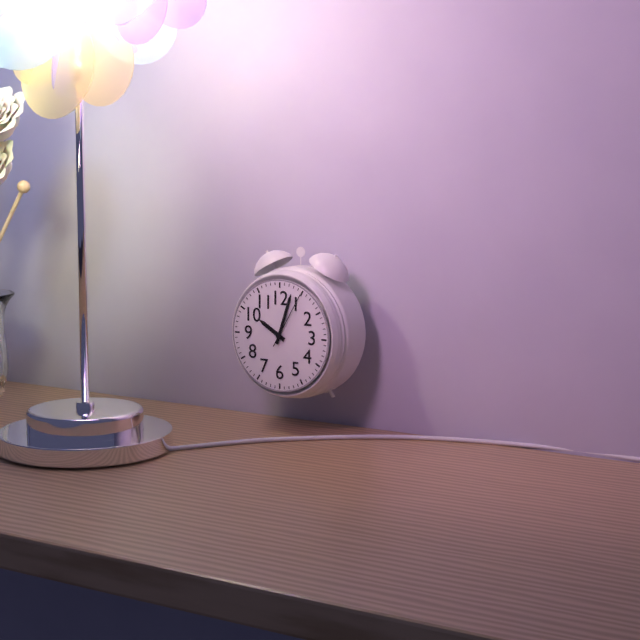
10:03:05
